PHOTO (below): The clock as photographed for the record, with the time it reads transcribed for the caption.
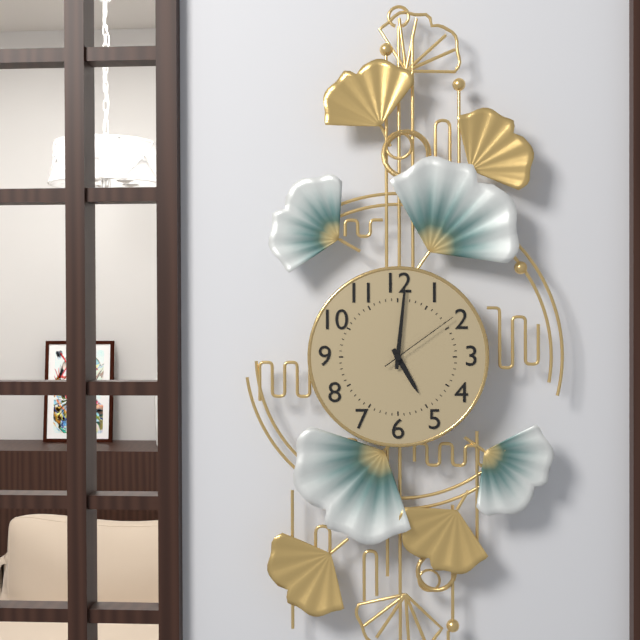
5:01:09
